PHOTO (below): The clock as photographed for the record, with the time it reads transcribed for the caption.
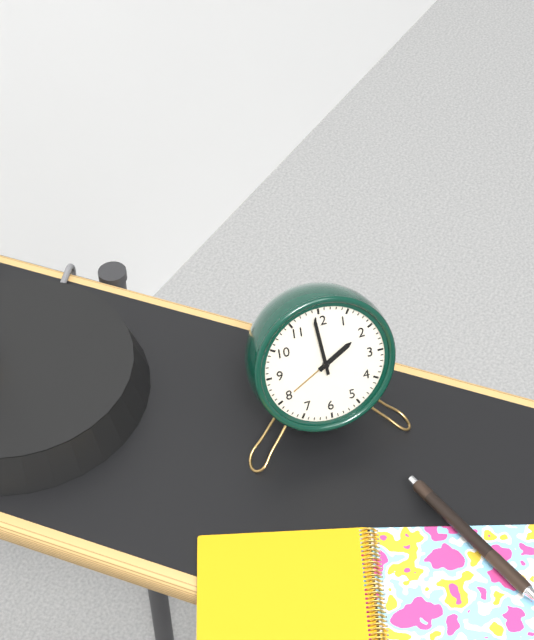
1:59
